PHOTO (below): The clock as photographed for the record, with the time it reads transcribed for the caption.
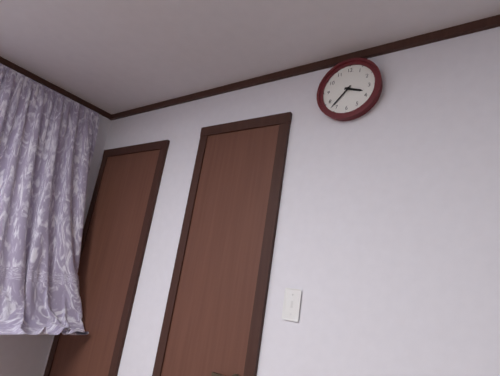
3:37
